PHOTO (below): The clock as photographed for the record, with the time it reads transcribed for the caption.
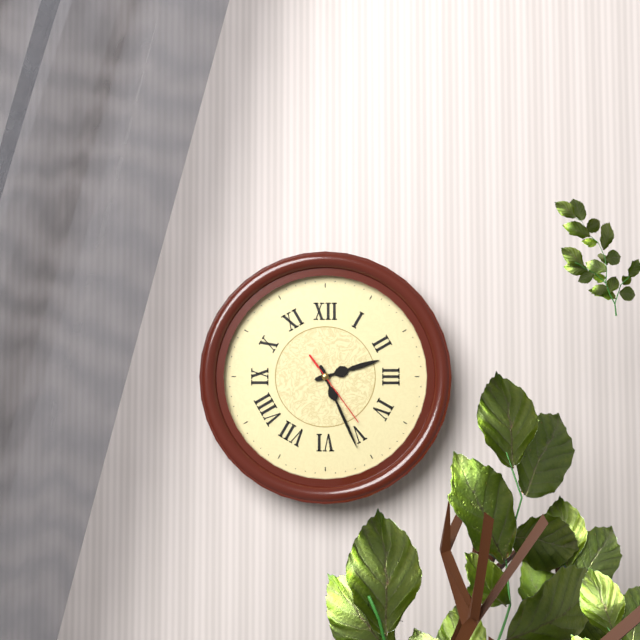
2:26:24
